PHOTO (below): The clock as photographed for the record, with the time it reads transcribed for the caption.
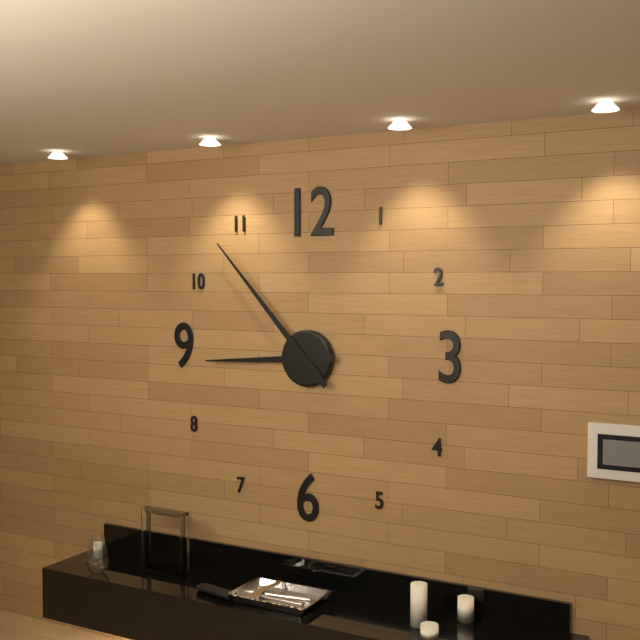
8:53
